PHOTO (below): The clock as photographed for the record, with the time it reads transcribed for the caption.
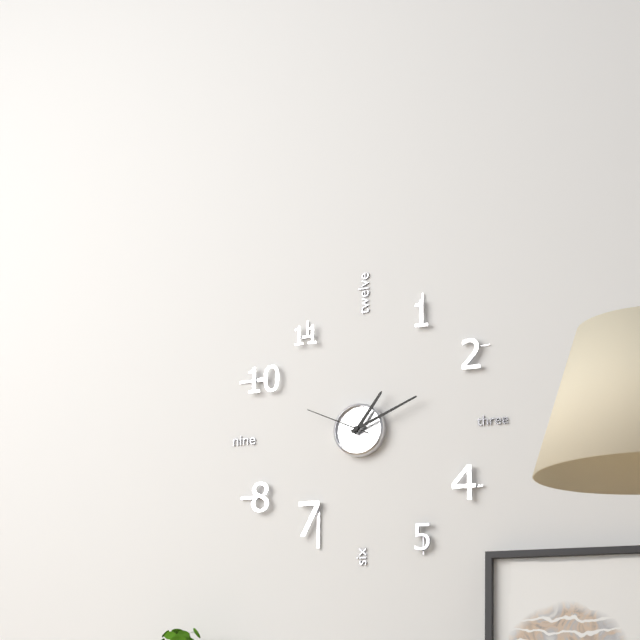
1:11:49
